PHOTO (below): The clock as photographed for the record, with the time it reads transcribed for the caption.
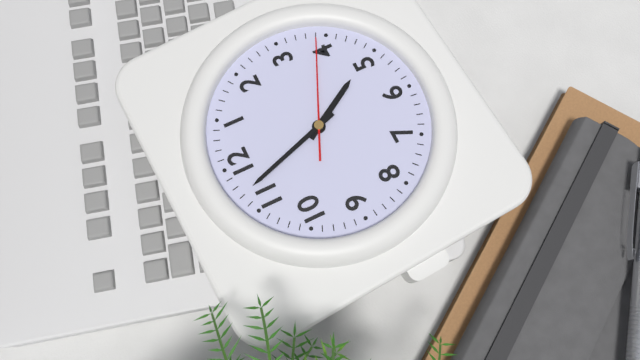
4:57:19
